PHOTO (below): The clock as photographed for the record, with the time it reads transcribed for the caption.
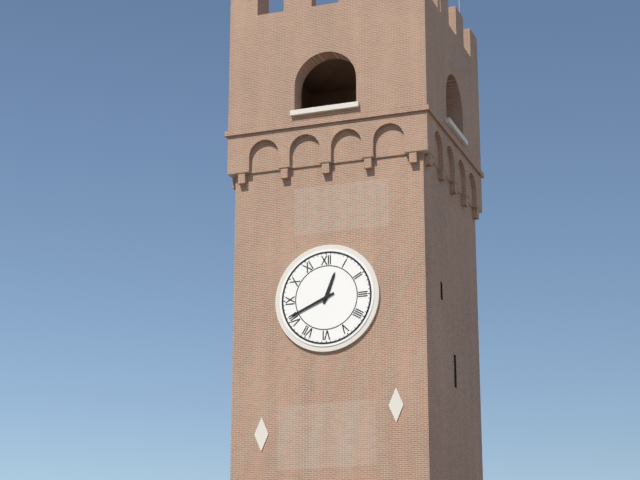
12:41
